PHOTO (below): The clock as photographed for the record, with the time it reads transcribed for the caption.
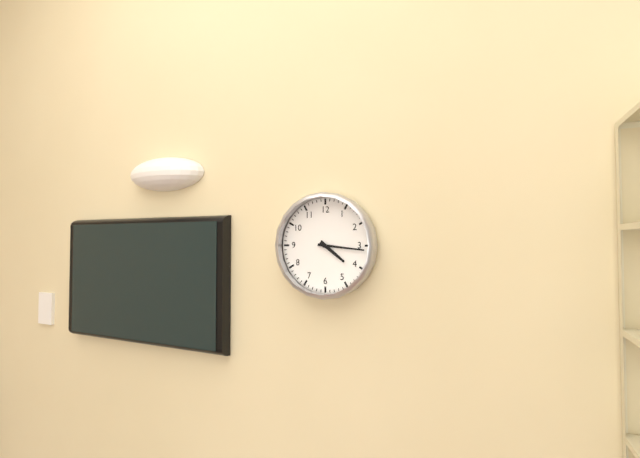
4:16
